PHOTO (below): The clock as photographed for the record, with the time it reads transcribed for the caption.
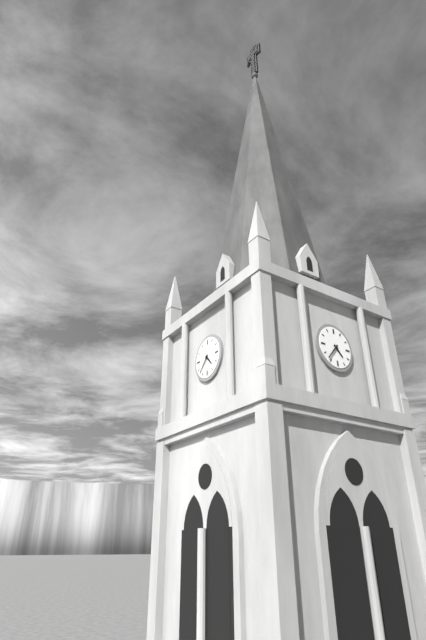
4:37
